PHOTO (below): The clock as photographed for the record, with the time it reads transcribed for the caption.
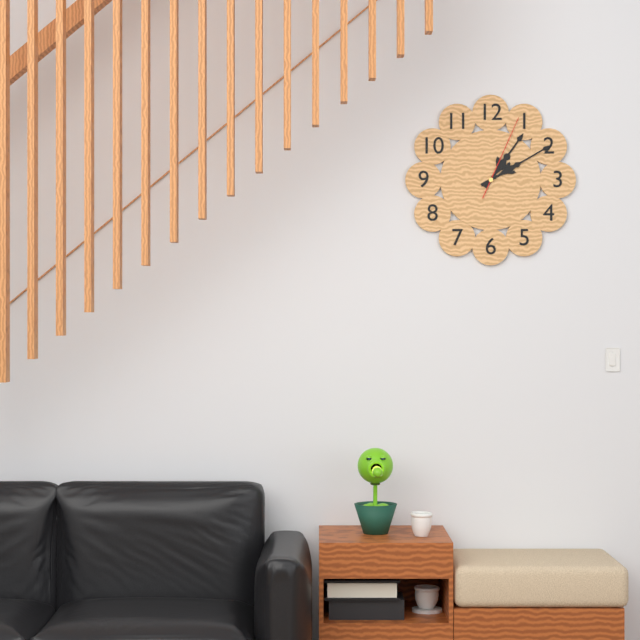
1:10:04
